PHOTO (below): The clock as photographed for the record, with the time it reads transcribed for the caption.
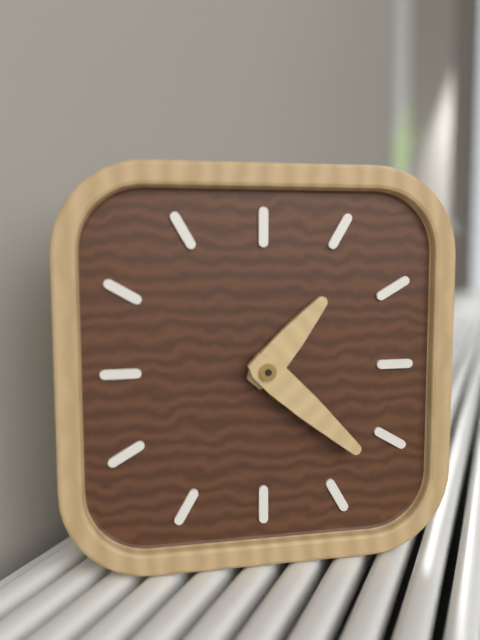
1:22
